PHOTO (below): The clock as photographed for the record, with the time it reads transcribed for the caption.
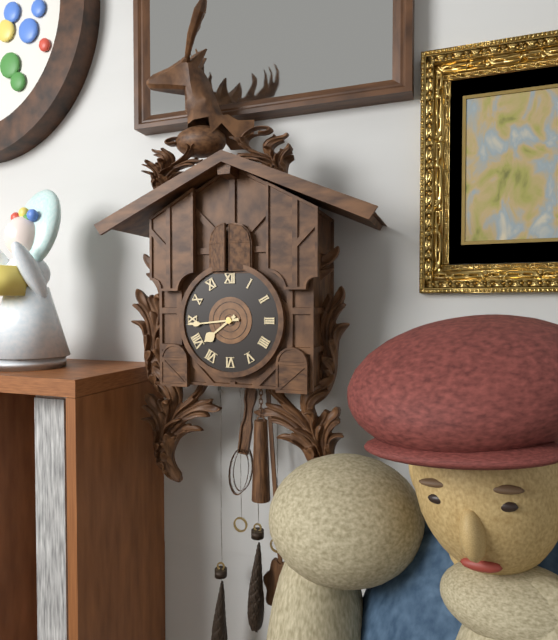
7:44
